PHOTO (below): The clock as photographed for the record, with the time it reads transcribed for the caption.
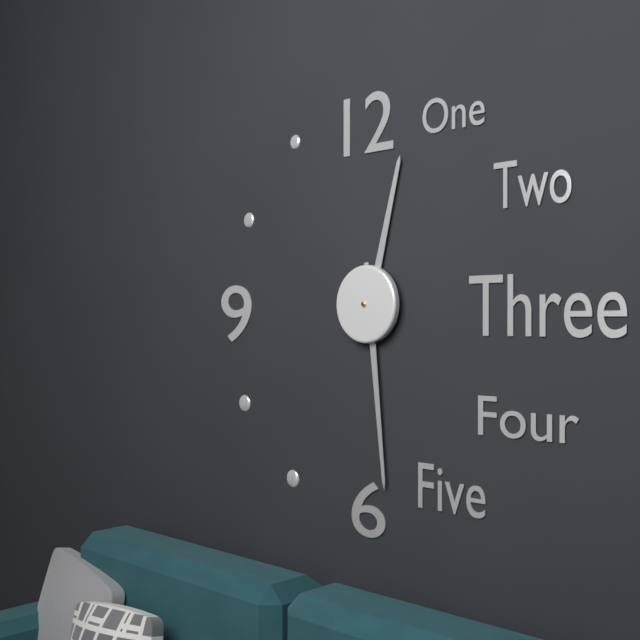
12:29
